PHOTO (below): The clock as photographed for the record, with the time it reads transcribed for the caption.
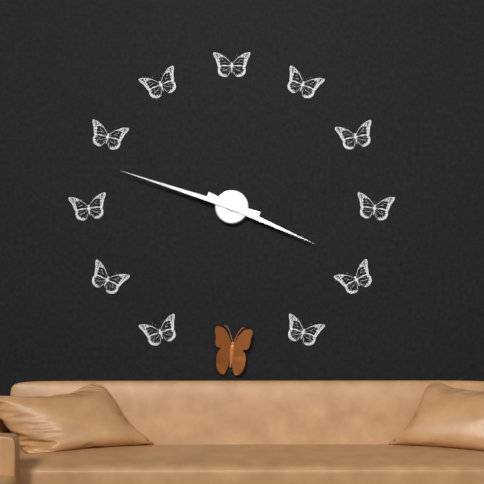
3:48
